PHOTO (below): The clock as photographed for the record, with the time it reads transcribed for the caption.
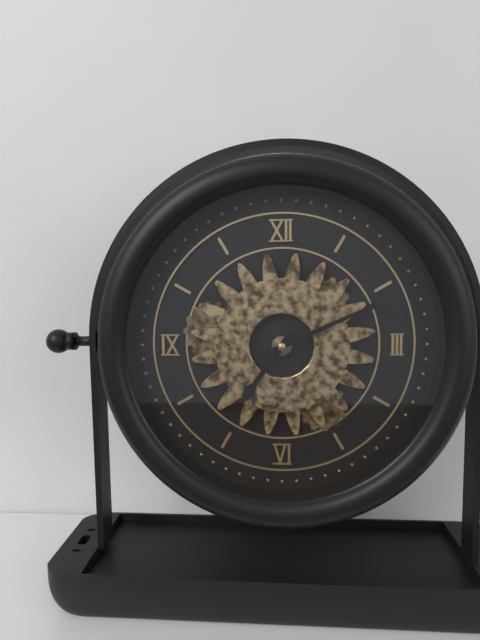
7:11
